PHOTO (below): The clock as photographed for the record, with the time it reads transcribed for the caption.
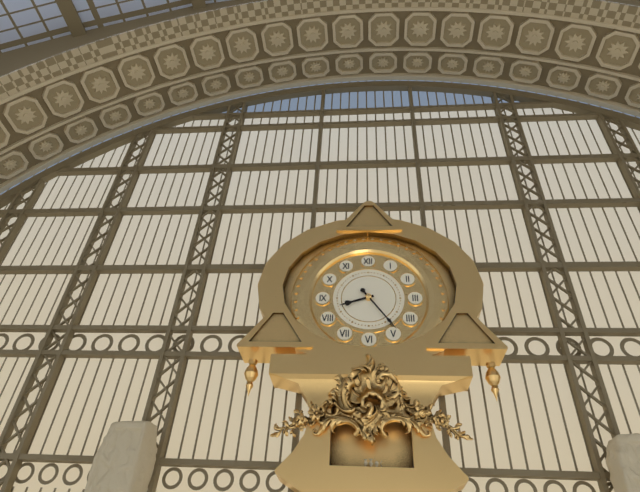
8:24
